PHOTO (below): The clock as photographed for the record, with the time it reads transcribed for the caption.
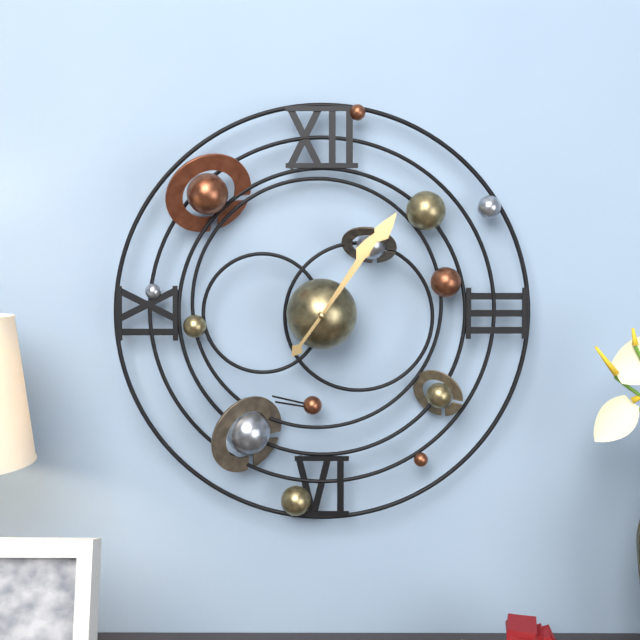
1:06
